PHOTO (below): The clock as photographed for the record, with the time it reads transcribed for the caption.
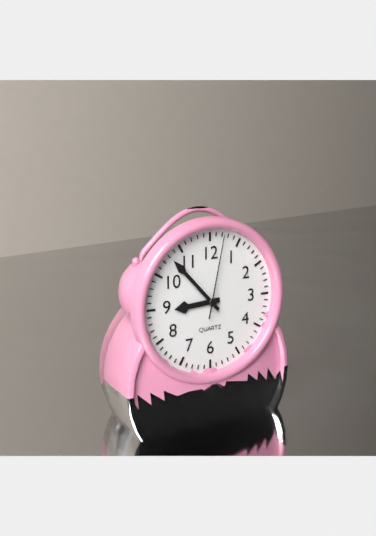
8:53:02
